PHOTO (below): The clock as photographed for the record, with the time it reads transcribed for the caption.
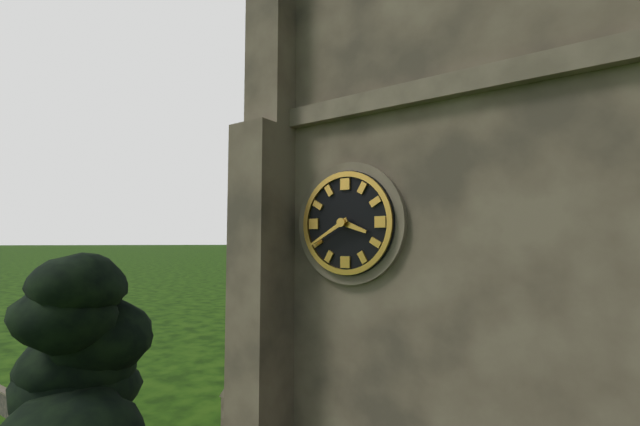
3:40
